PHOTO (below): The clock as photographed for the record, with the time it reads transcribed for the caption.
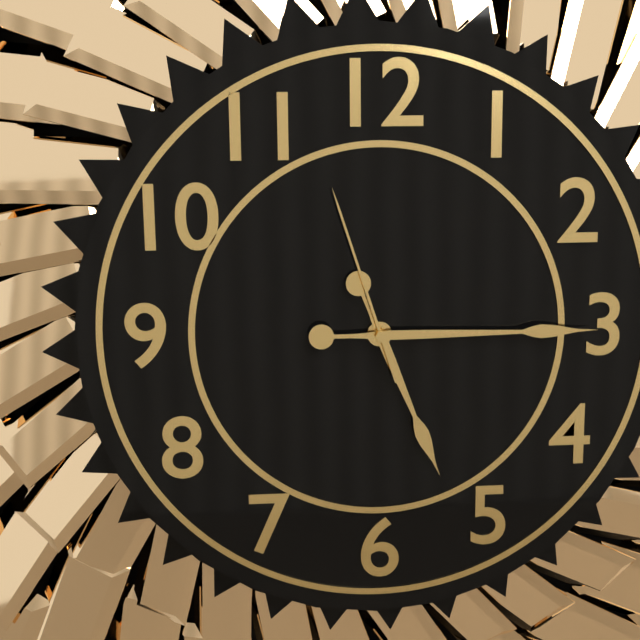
5:15:57
